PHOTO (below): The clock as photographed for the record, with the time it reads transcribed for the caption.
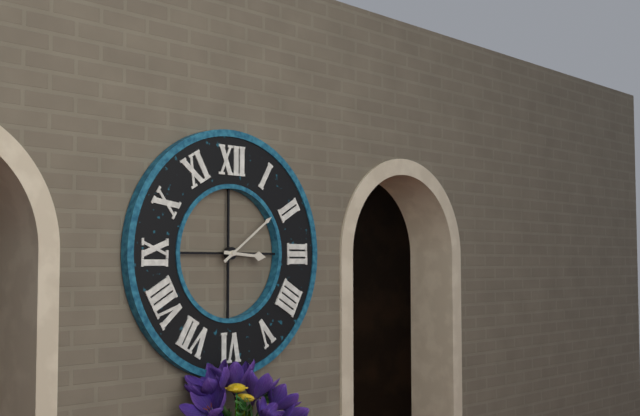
3:09
